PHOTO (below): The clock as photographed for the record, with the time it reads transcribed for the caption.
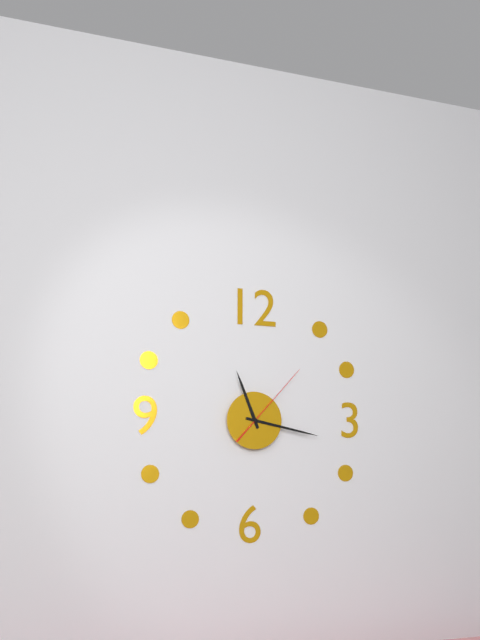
11:17:07
